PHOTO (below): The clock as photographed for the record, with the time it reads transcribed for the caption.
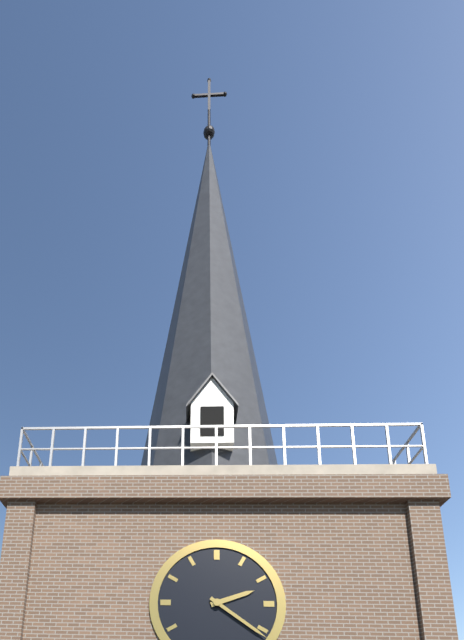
2:21
